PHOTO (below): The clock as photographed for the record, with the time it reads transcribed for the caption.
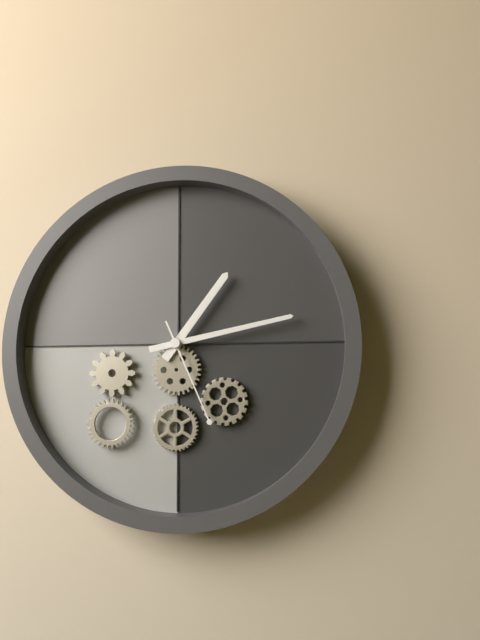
1:13:26
